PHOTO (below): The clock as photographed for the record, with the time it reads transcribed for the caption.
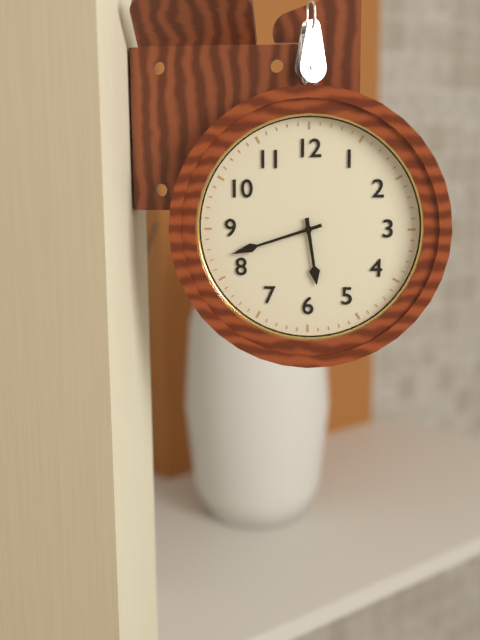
5:42
